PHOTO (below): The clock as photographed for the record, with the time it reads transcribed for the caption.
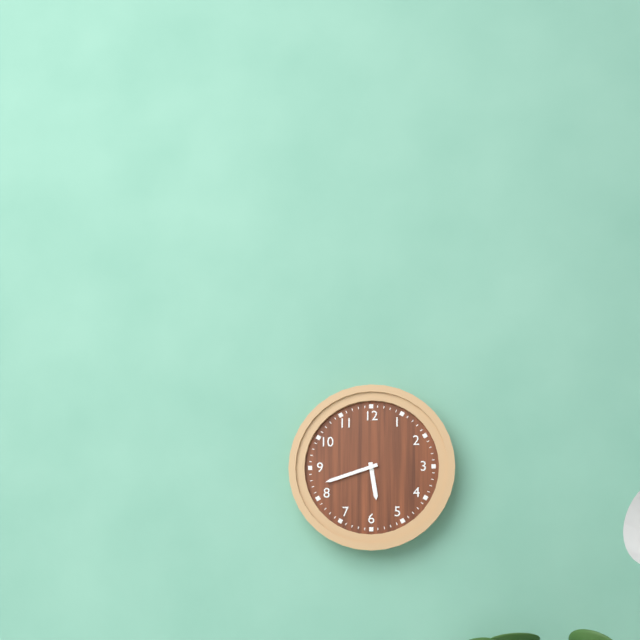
5:42
